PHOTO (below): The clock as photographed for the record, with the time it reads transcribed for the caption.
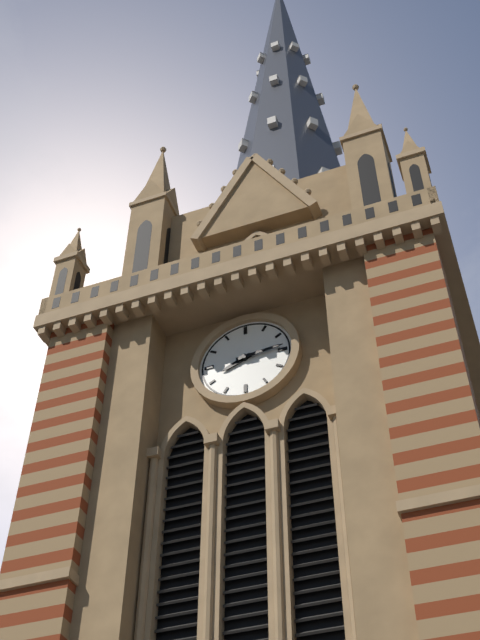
8:14
